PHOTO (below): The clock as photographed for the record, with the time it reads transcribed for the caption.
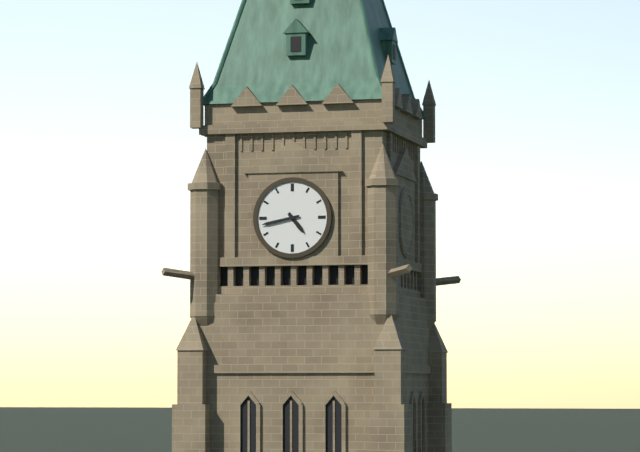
4:43
